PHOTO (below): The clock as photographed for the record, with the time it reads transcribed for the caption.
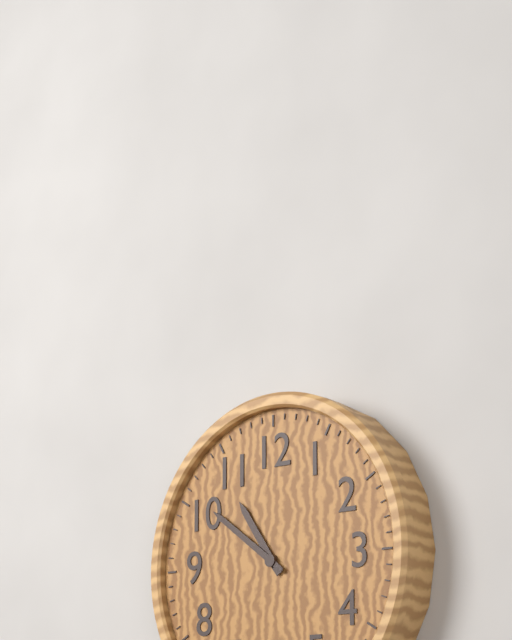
10:51
